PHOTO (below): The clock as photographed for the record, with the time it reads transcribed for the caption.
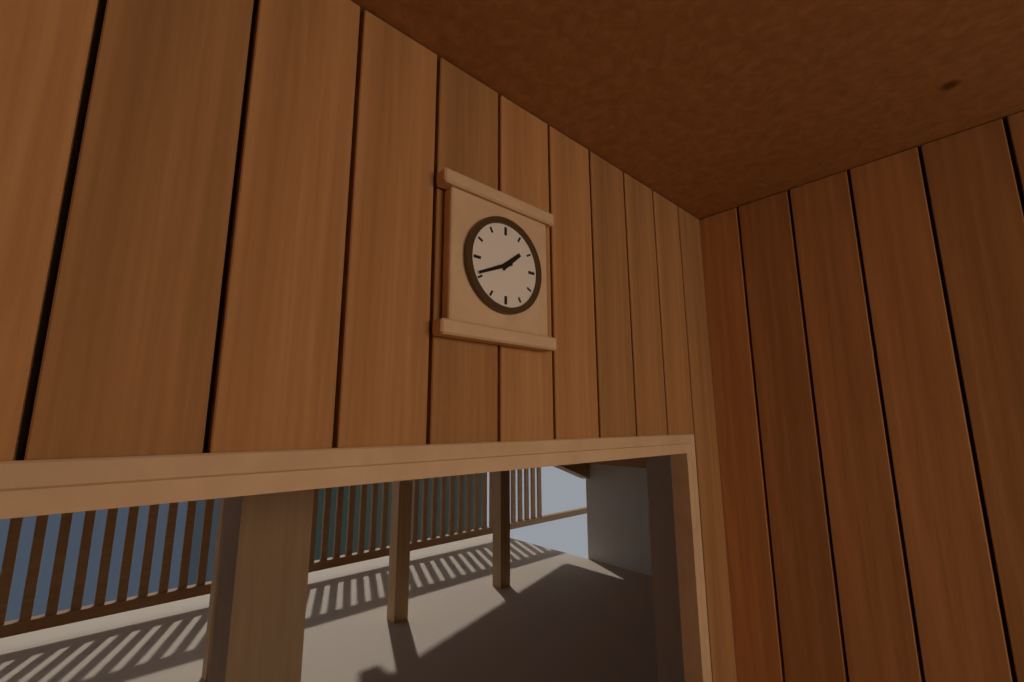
1:41
